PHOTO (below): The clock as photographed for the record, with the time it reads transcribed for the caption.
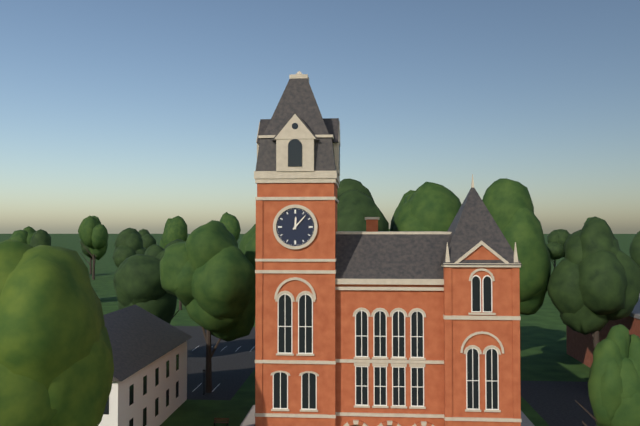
12:07
